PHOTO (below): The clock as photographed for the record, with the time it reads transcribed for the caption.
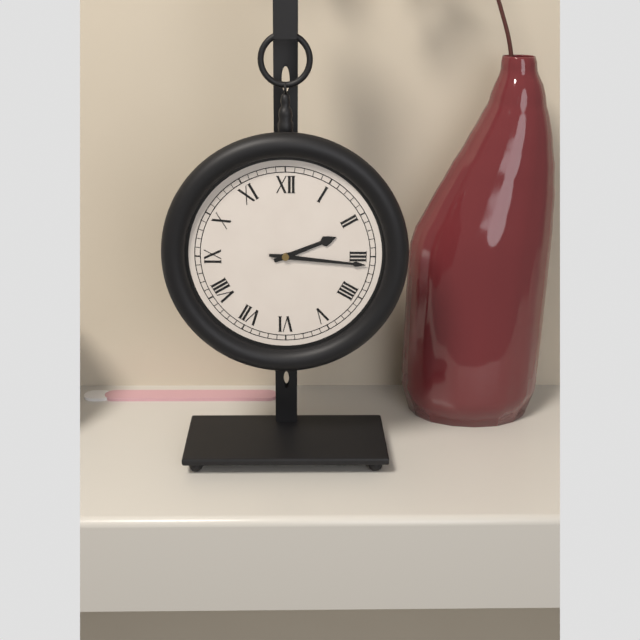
2:16
